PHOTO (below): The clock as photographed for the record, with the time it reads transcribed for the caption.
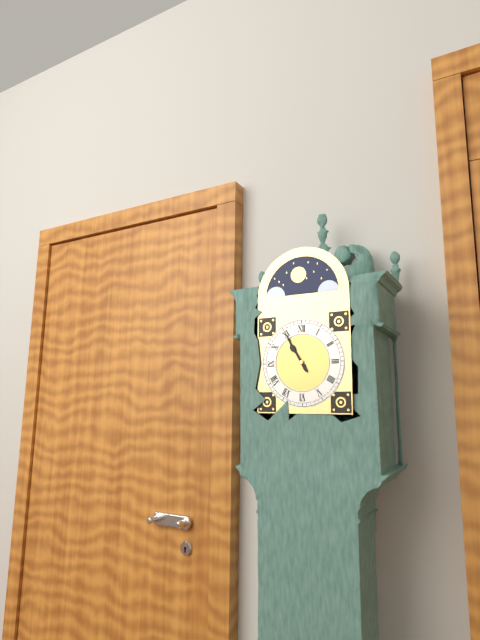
10:55
